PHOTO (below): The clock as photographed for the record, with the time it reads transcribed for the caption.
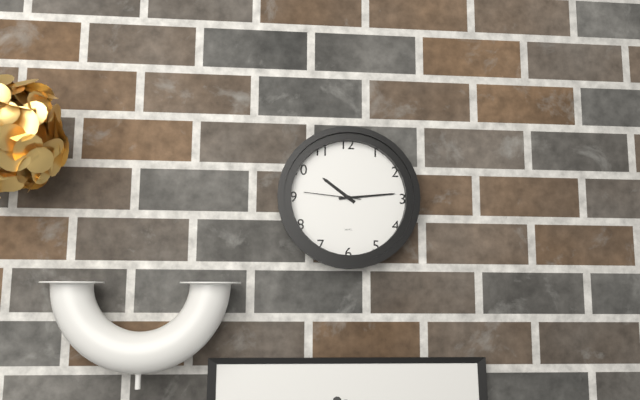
10:14:46
